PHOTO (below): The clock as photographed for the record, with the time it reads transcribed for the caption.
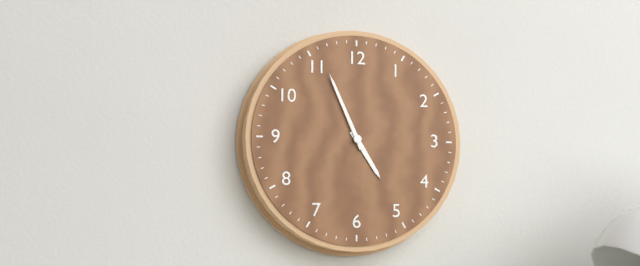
4:56
